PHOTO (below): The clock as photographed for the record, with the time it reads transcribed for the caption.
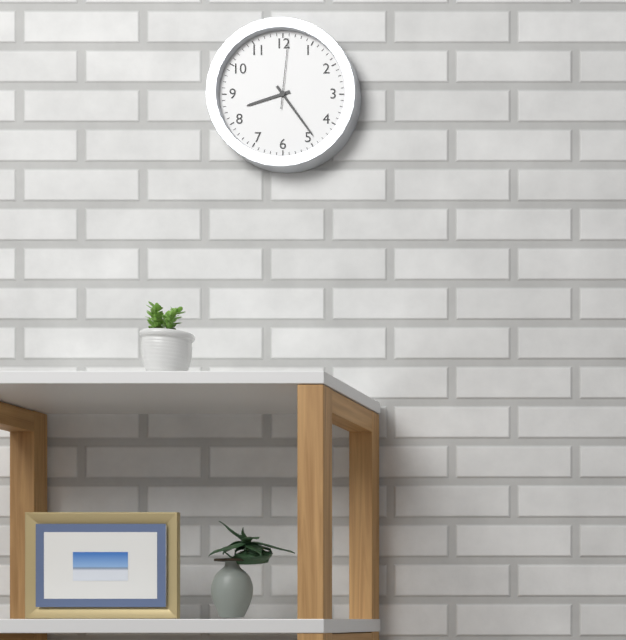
8:24:01
